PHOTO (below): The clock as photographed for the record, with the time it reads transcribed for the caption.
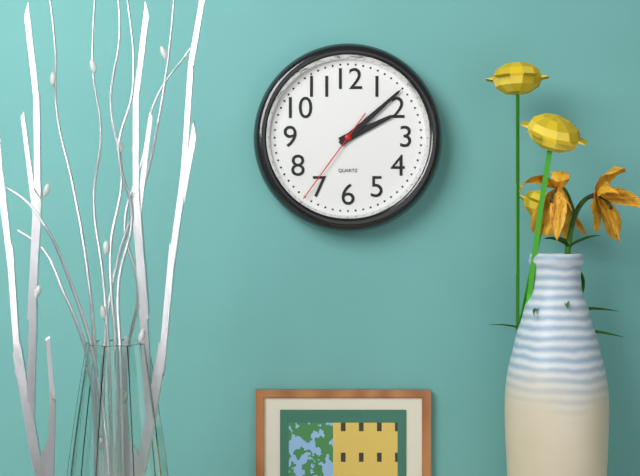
2:08:36
